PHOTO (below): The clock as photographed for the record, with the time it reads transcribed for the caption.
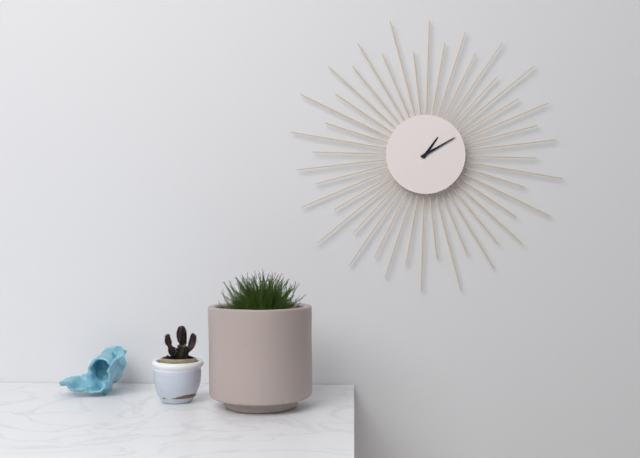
1:10
